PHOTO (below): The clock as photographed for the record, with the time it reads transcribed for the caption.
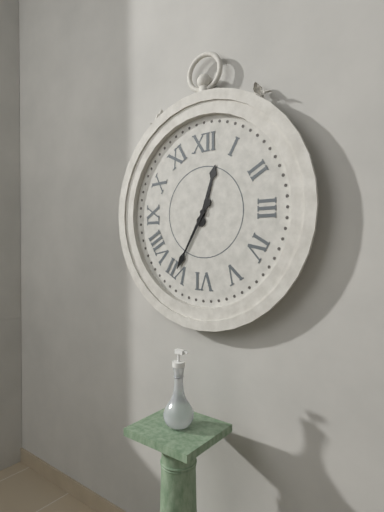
12:35
